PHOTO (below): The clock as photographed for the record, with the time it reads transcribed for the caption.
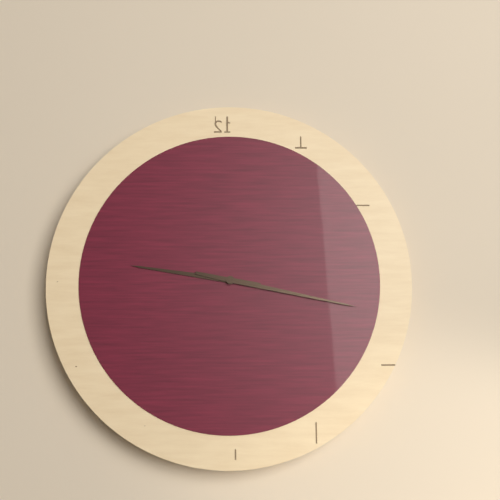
9:17
